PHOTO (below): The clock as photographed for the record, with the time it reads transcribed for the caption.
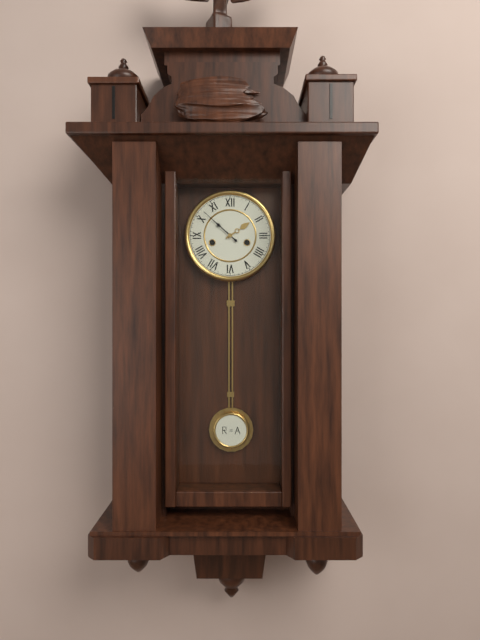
1:52
